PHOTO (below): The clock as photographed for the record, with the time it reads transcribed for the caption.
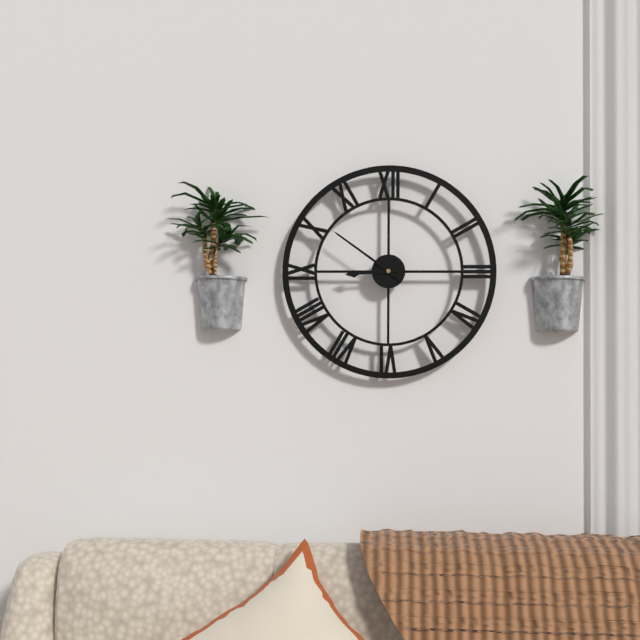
8:51
